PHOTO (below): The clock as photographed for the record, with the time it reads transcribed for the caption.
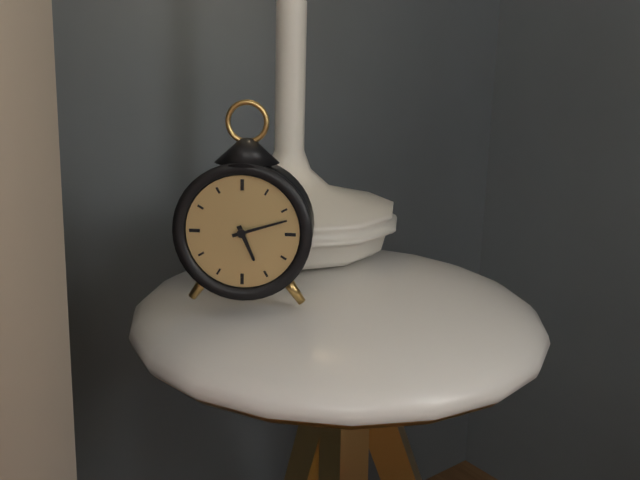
5:12
